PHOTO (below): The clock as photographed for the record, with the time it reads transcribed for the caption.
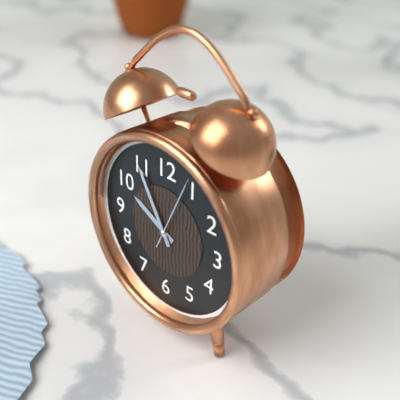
9:55:04
